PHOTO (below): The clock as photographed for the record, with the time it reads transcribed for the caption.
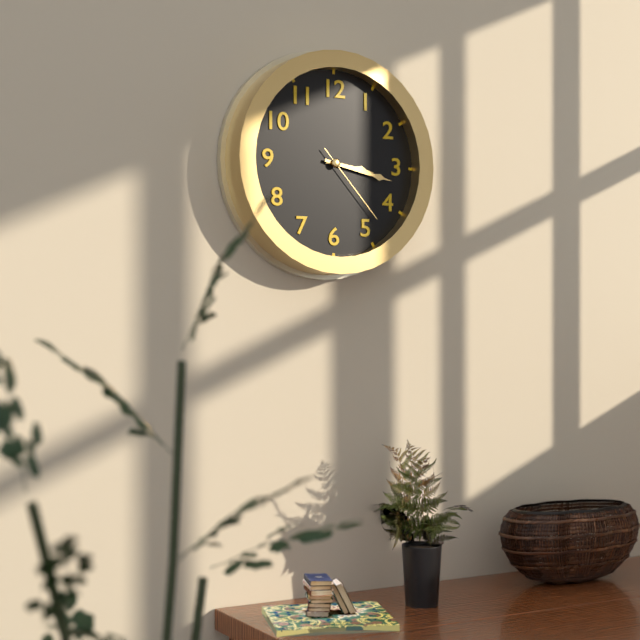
3:17:23
